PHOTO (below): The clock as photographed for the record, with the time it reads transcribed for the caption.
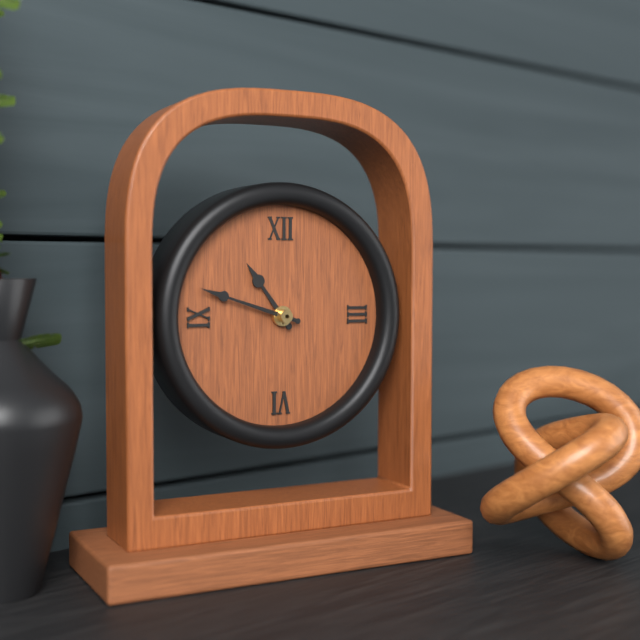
10:48
